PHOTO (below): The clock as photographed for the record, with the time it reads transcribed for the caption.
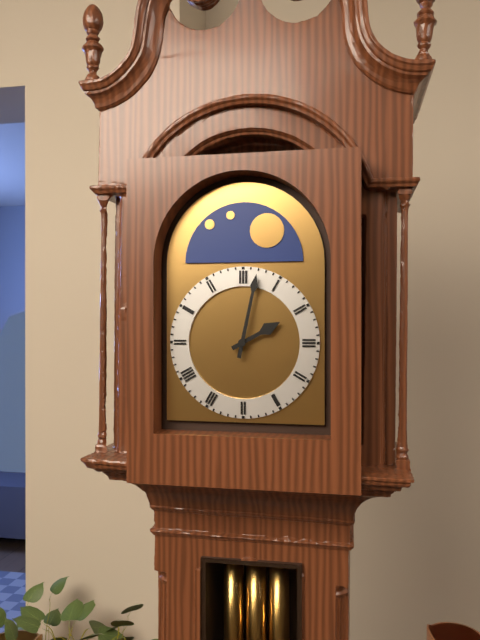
2:02
